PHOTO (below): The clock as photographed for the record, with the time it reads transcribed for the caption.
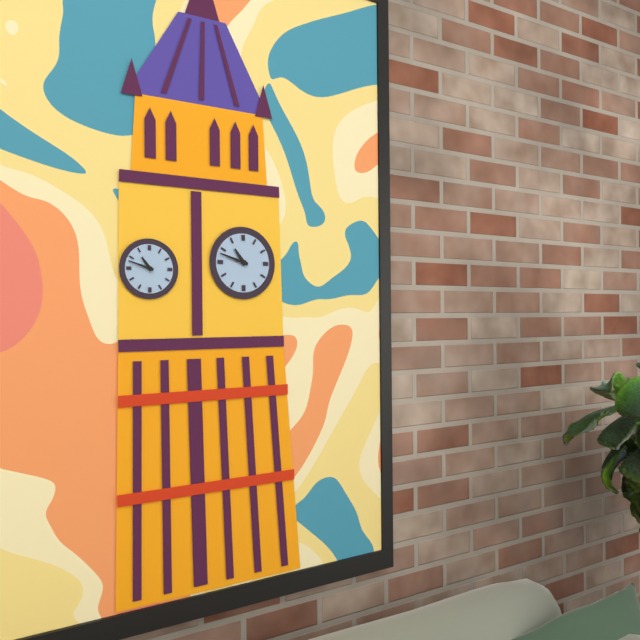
10:48
